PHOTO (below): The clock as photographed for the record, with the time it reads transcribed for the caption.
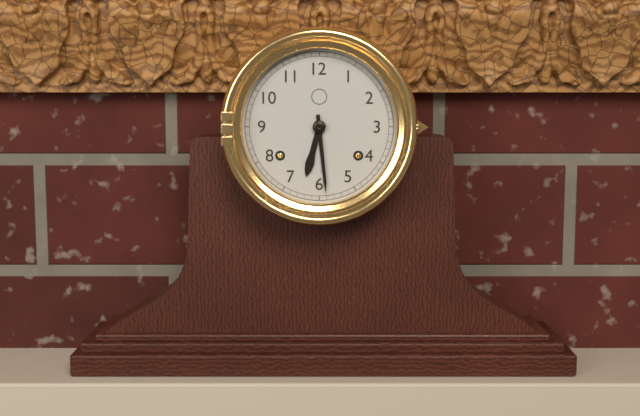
6:29
